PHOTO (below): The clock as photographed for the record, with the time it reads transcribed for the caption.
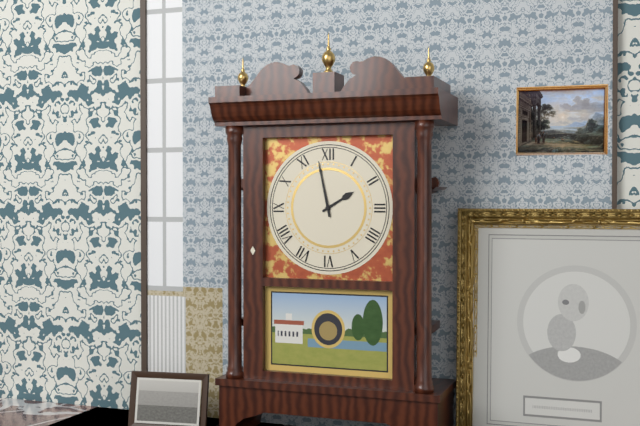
1:58
